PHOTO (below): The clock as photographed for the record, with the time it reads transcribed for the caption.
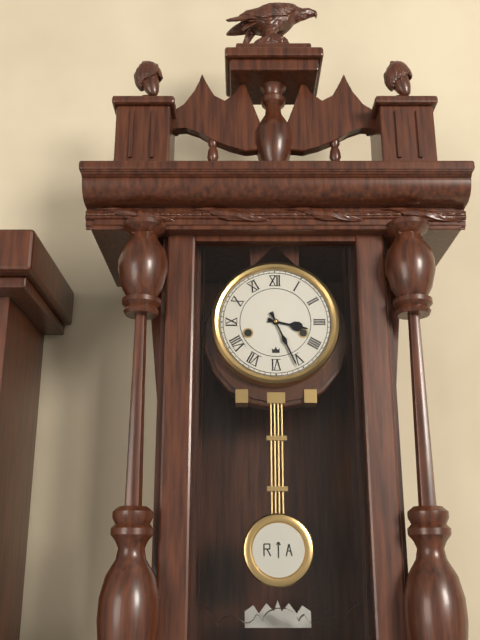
3:26
